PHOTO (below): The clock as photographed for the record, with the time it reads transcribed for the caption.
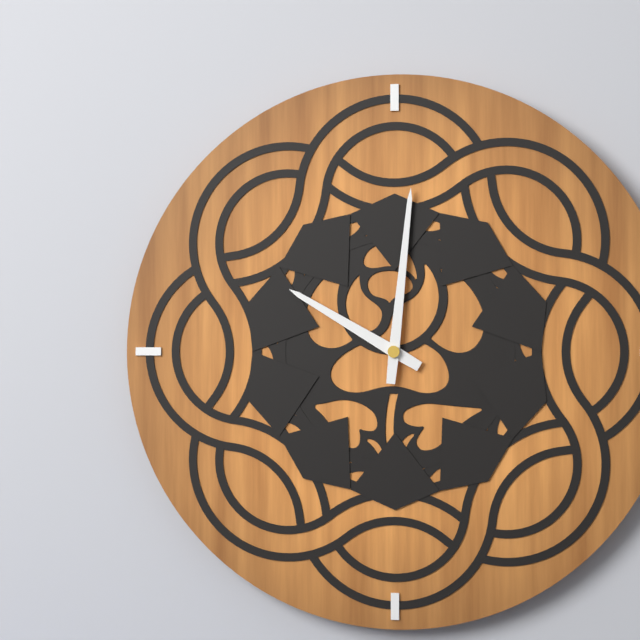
10:01
